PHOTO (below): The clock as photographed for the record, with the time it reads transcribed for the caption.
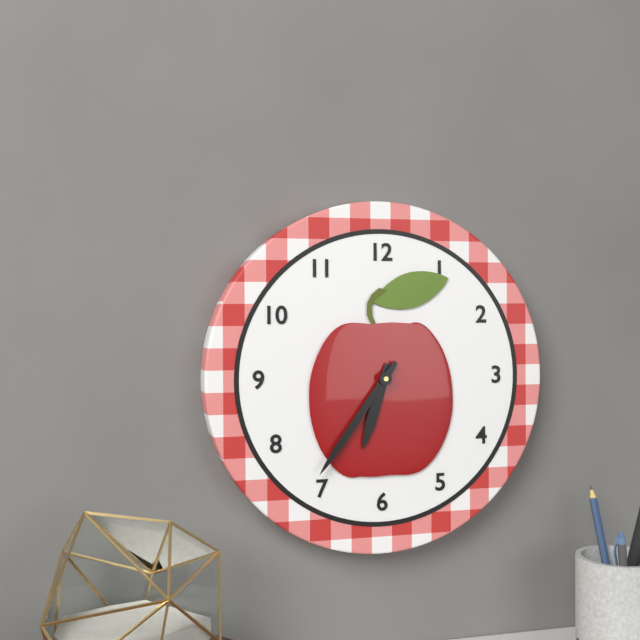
6:36
